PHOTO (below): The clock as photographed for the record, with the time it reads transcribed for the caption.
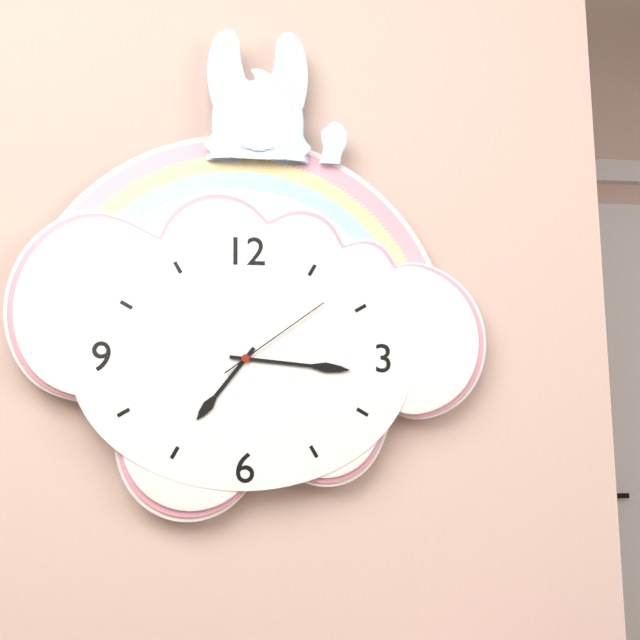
7:16:09
